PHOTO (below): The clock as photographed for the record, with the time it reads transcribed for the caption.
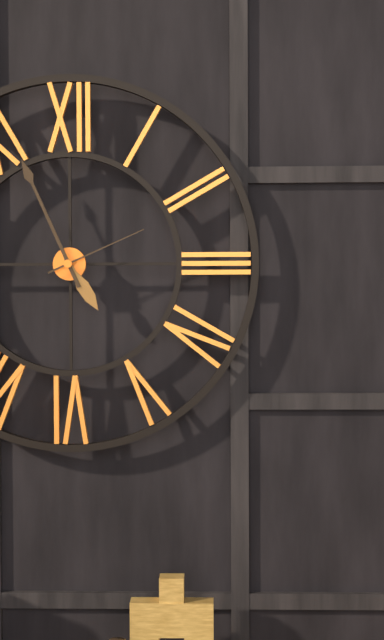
4:56:11
